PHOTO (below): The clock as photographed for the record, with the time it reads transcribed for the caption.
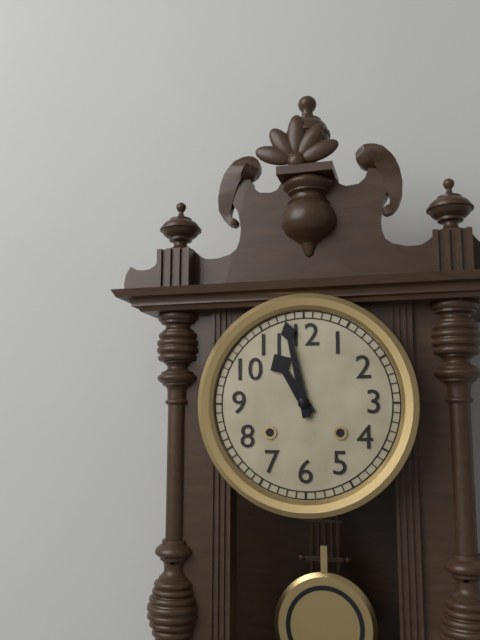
10:58
